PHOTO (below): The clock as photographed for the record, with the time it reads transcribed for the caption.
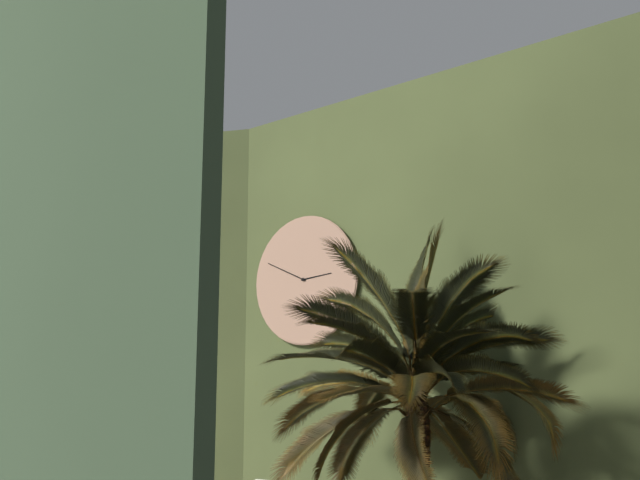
2:49
